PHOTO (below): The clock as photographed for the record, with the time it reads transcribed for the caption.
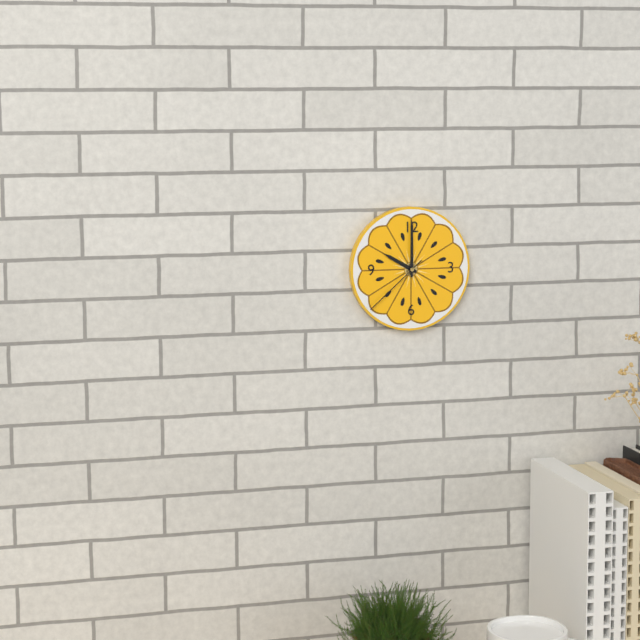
10:00:38
